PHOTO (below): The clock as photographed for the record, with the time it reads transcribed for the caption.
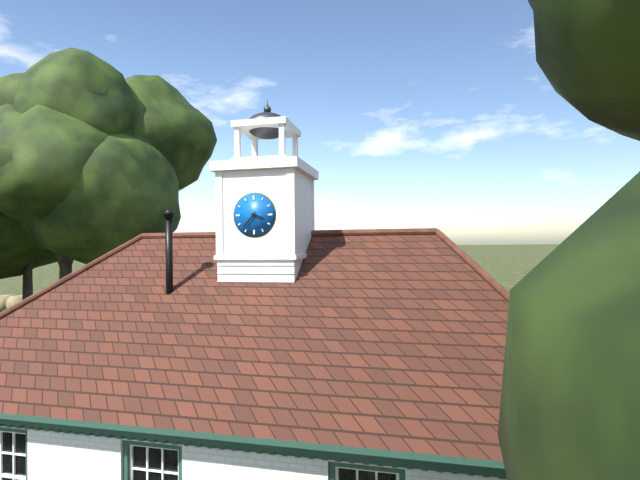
3:37
